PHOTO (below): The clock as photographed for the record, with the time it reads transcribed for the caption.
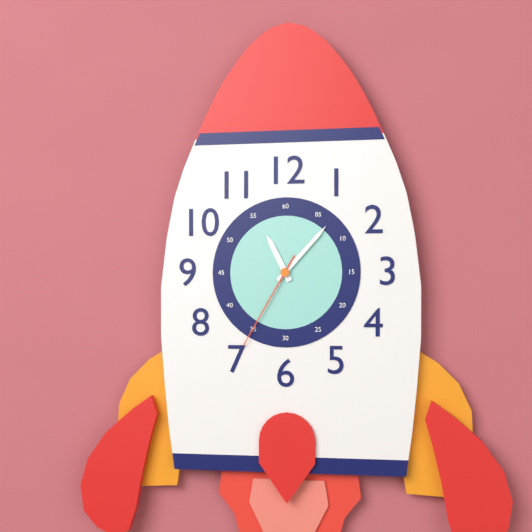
11:07:35
